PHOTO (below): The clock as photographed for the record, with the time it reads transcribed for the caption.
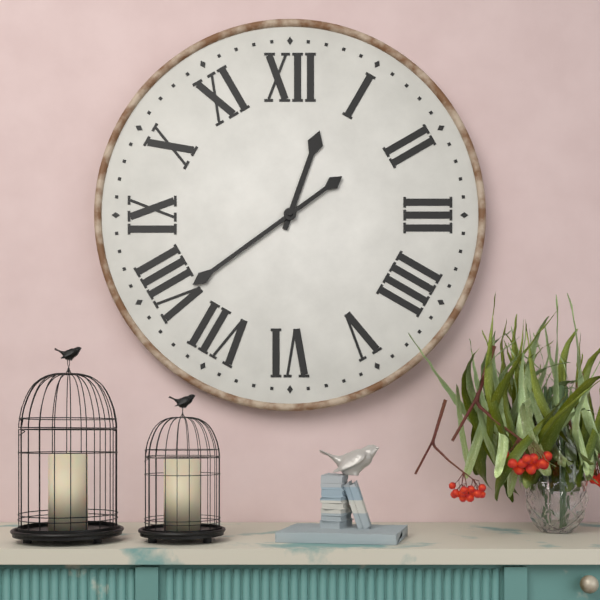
12:39
